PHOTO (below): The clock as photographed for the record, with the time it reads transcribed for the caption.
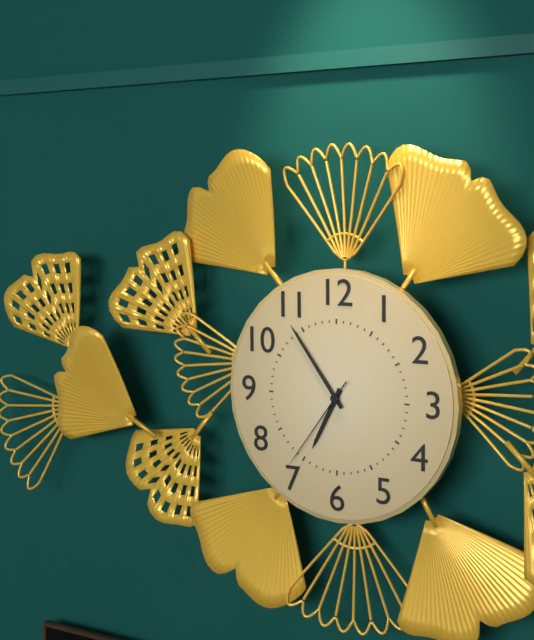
6:54:36
